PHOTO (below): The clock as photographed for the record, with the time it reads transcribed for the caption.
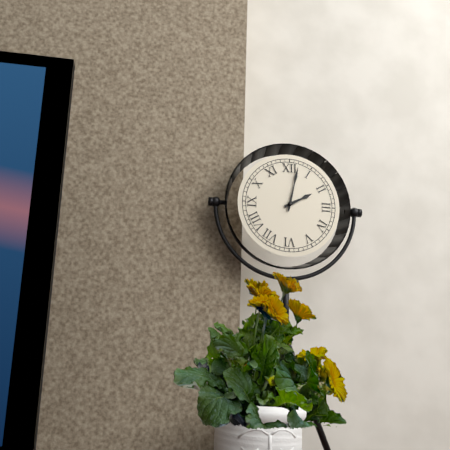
2:02
